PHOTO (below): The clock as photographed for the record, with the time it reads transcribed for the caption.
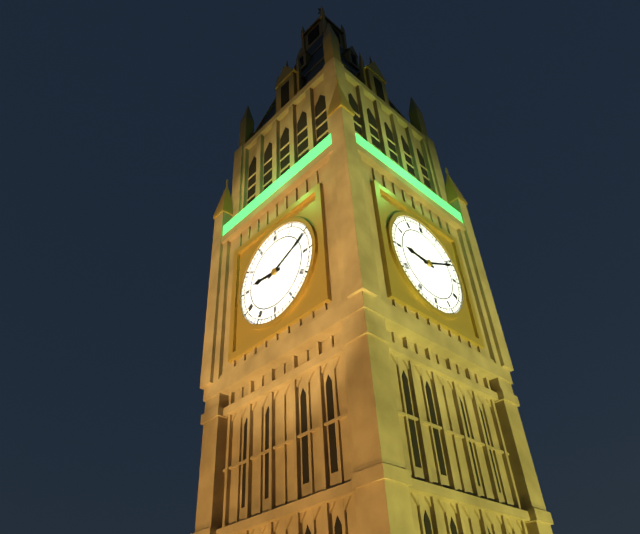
9:11
